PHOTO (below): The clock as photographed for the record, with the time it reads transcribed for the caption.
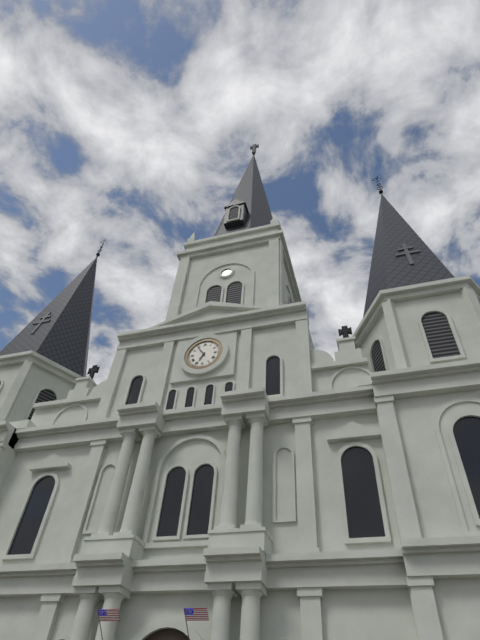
6:54
